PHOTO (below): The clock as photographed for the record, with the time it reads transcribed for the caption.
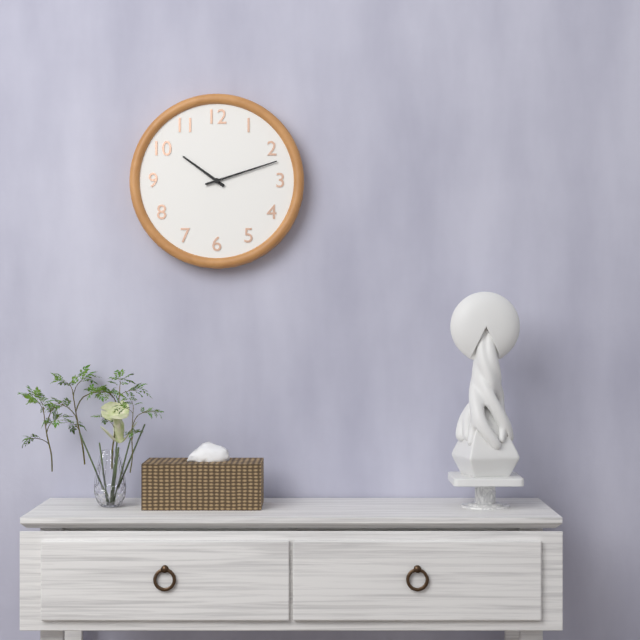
10:12
